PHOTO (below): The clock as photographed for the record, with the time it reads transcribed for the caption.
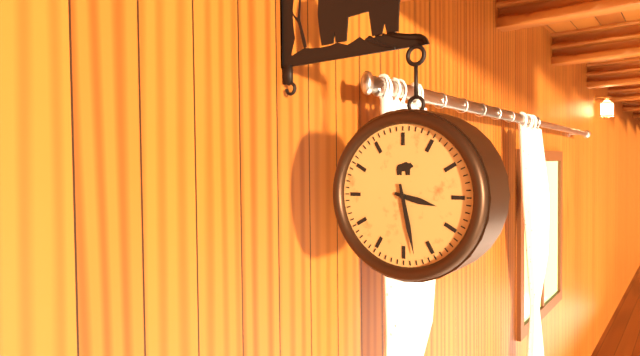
3:28
